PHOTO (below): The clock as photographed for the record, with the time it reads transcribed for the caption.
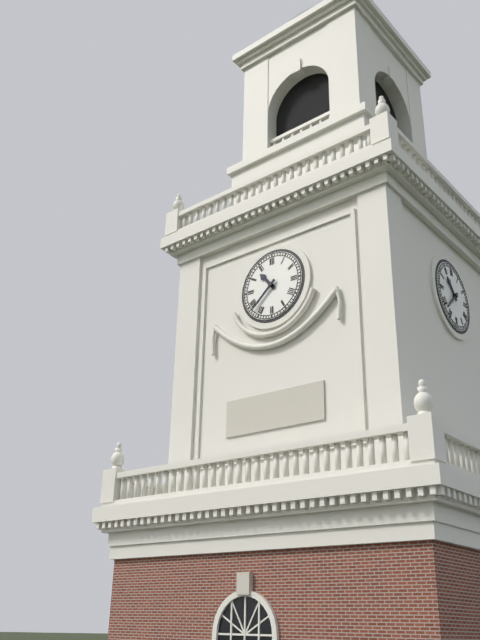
10:38
